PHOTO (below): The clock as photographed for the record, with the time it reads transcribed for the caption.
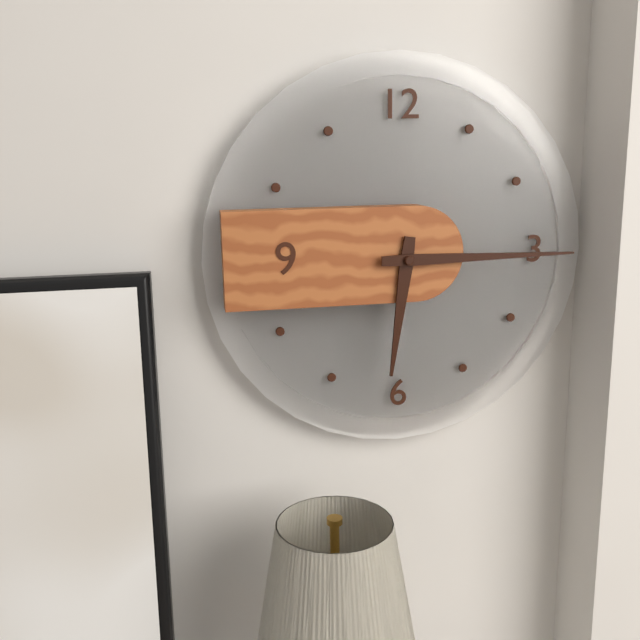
6:15
